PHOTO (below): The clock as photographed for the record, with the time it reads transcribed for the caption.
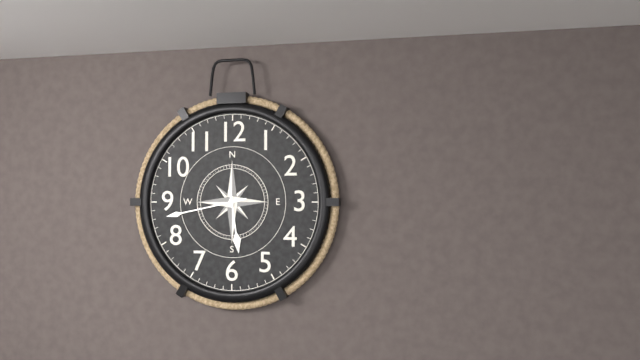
5:43
